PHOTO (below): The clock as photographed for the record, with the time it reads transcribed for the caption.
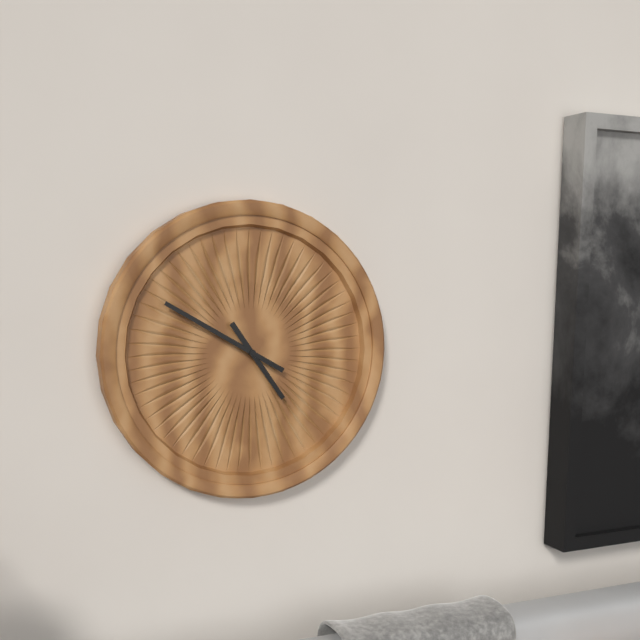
4:50
